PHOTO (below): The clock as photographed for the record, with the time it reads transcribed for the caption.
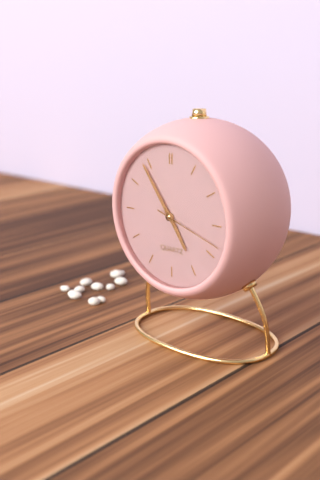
4:54:18
